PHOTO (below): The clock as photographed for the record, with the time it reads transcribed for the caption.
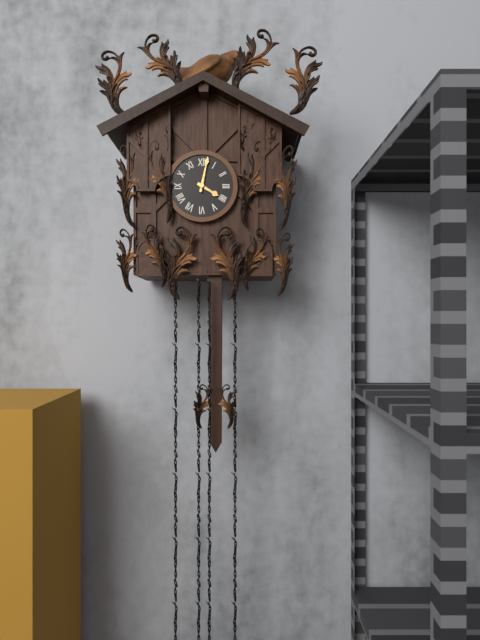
4:02
